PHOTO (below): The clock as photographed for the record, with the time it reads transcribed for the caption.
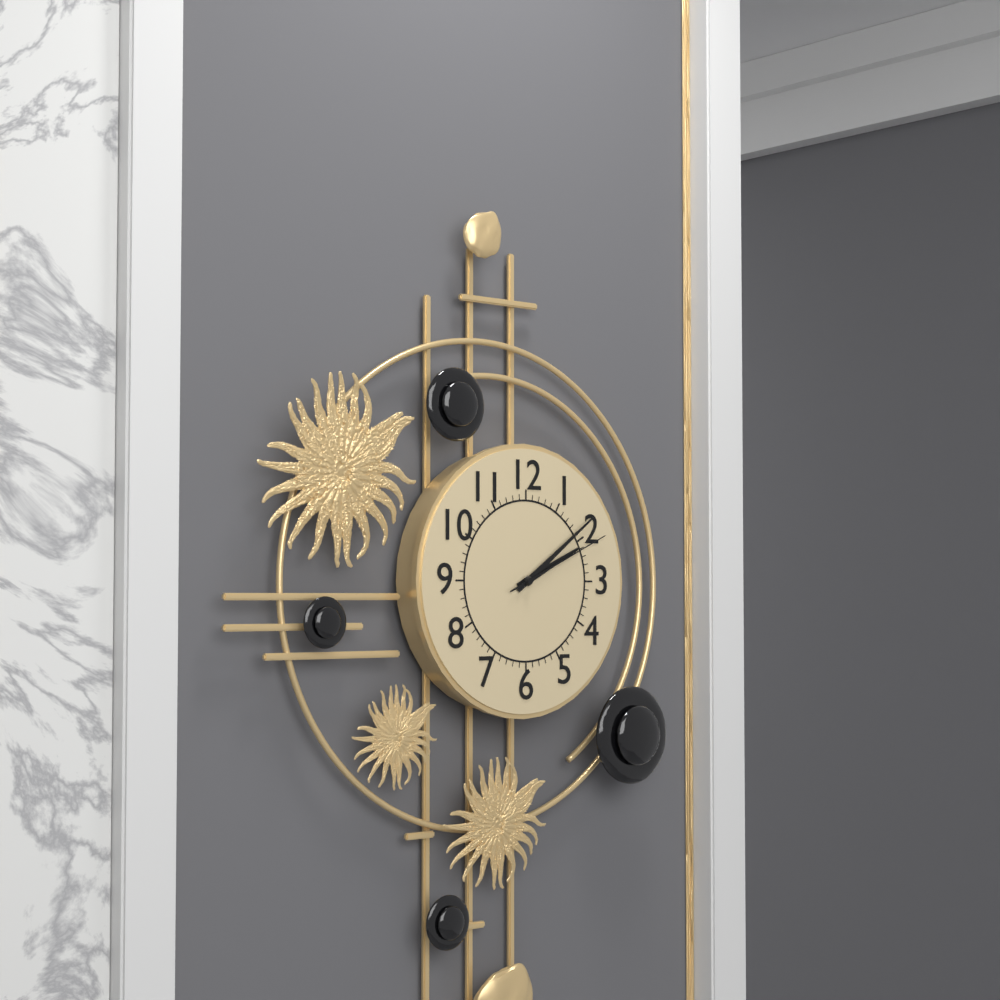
2:09:11
